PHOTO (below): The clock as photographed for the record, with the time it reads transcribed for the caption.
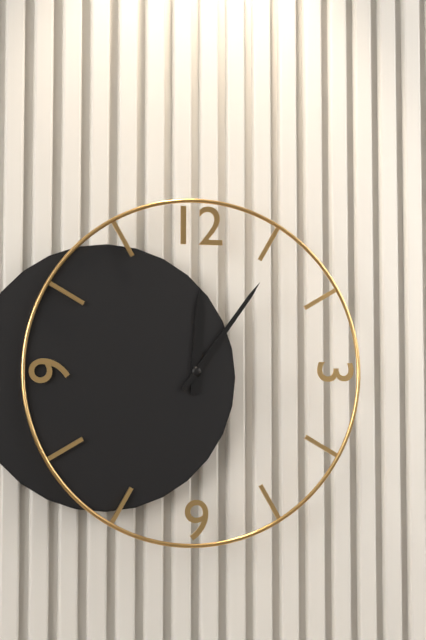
12:06
